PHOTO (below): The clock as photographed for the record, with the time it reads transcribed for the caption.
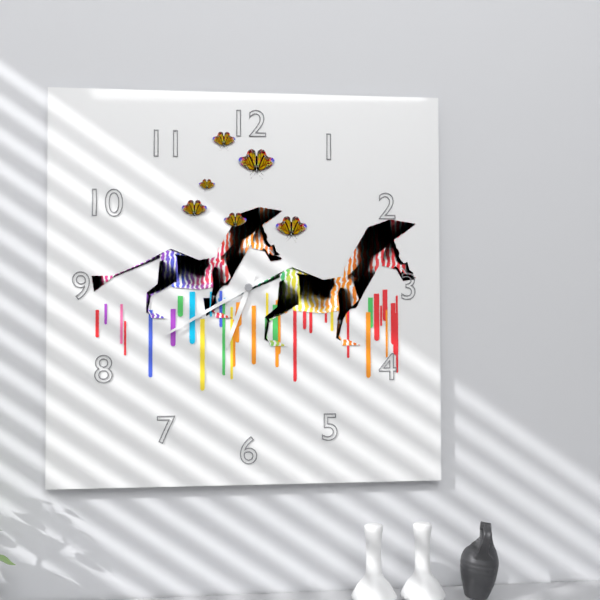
6:40
